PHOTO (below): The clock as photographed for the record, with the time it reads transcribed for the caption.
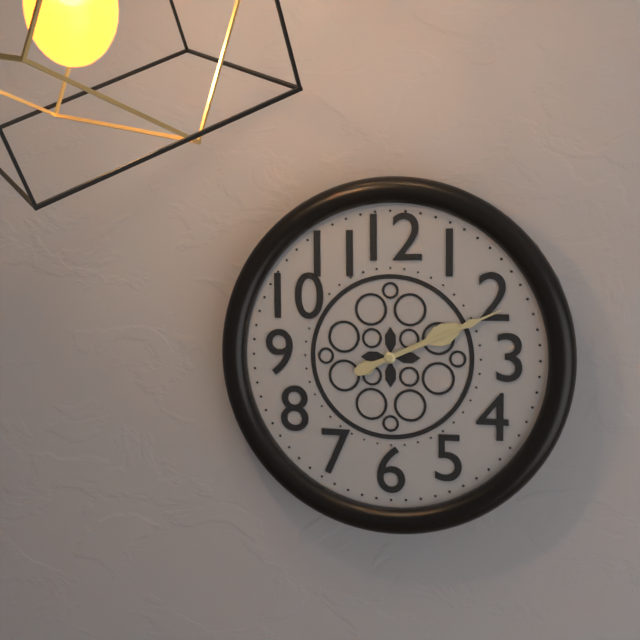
2:11
